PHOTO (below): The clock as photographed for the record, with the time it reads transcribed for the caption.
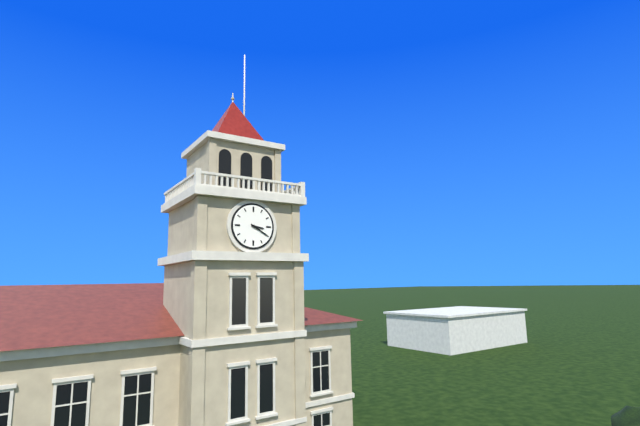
3:20
